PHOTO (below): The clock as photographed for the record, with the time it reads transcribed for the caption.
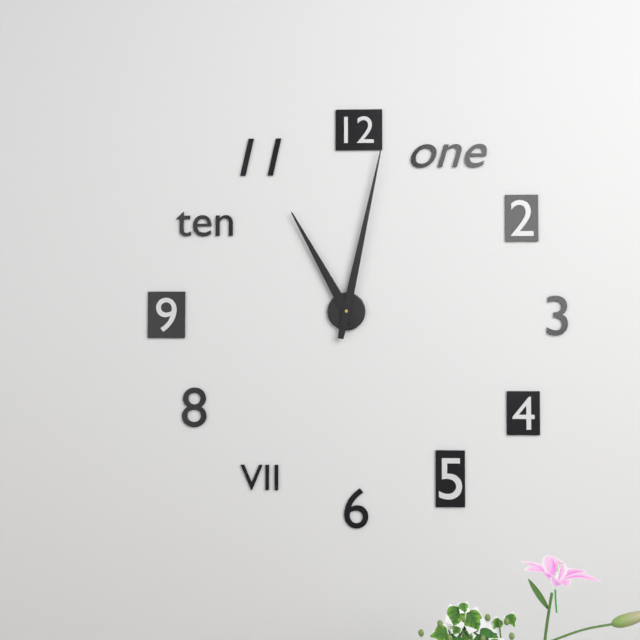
11:02
